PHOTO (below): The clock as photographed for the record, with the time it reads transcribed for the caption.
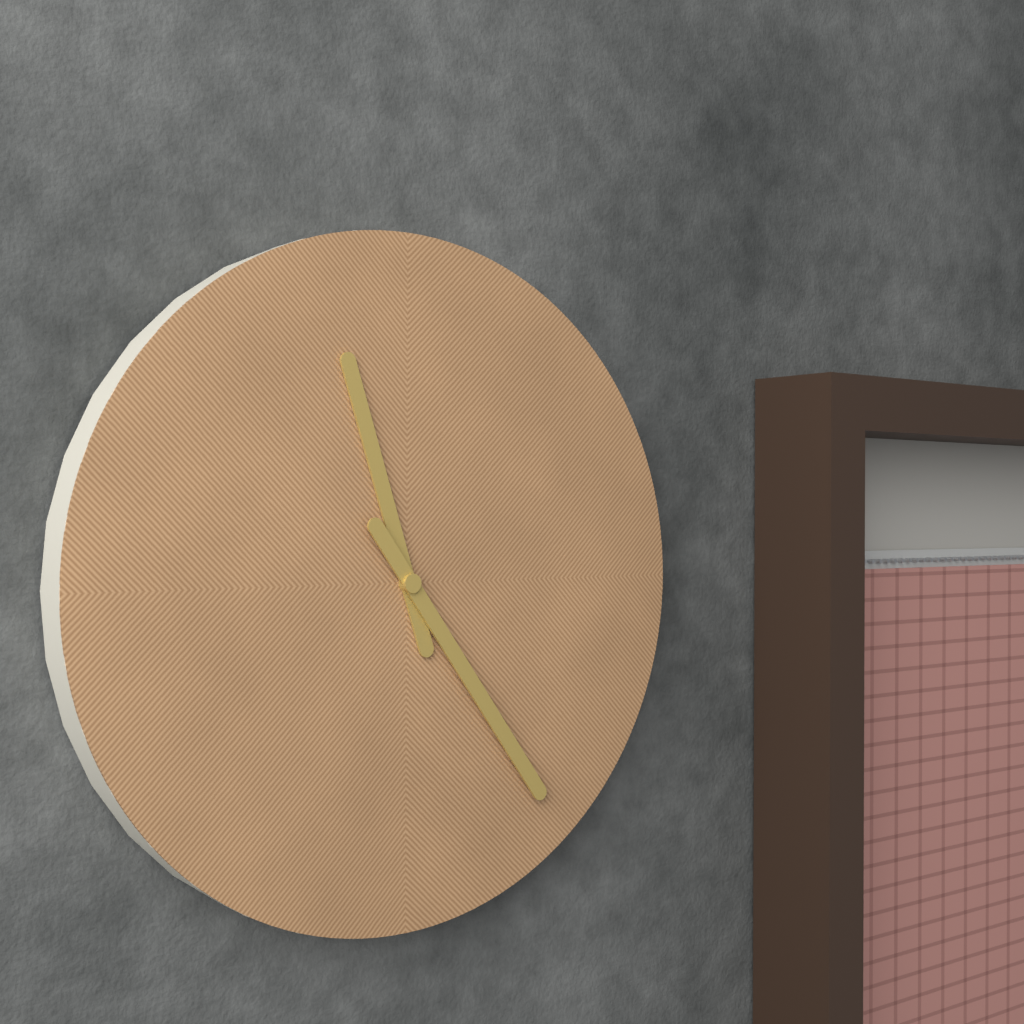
11:24
